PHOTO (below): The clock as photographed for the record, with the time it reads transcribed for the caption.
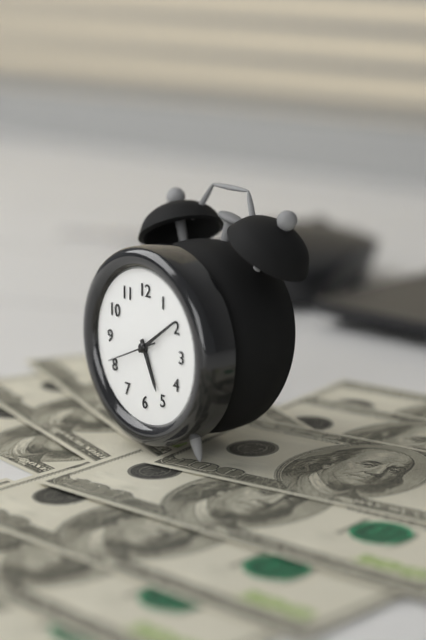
5:09:41
